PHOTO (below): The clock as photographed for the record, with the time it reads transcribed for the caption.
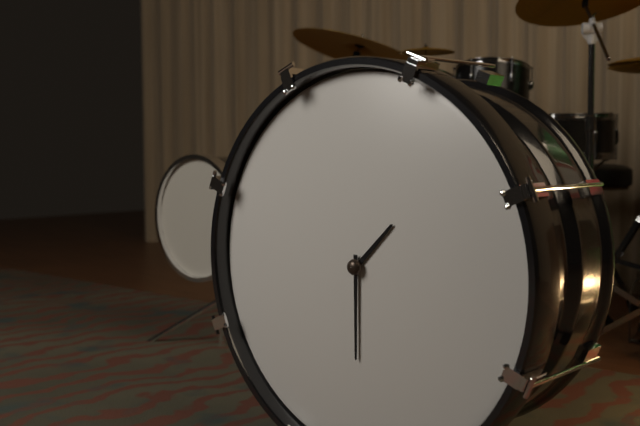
1:30
